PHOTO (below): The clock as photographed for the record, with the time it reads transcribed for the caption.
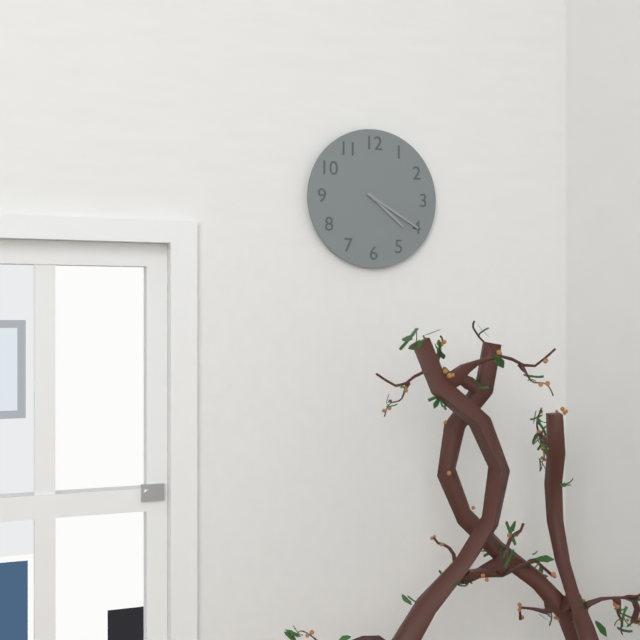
4:20
